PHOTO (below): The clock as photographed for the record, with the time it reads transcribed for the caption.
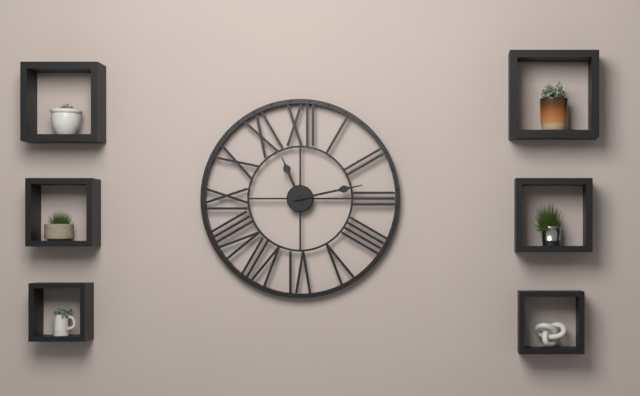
11:13
